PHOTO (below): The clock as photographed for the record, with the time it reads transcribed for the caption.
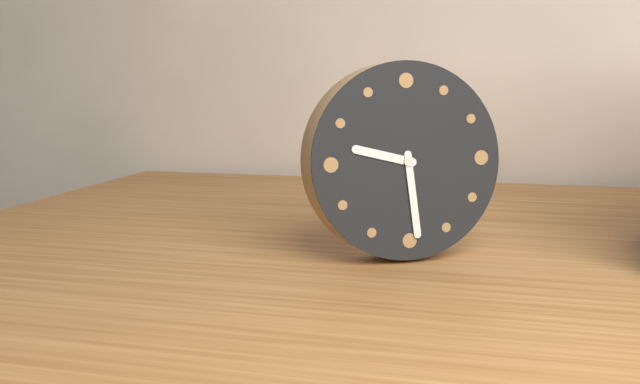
9:29
